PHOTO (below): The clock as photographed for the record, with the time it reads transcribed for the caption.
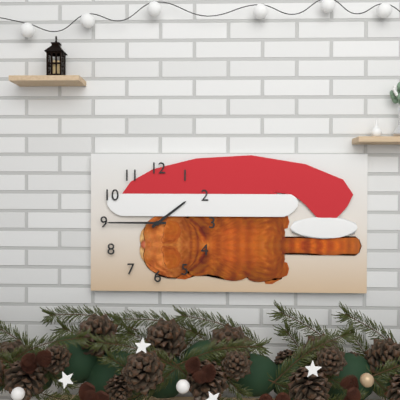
1:45
